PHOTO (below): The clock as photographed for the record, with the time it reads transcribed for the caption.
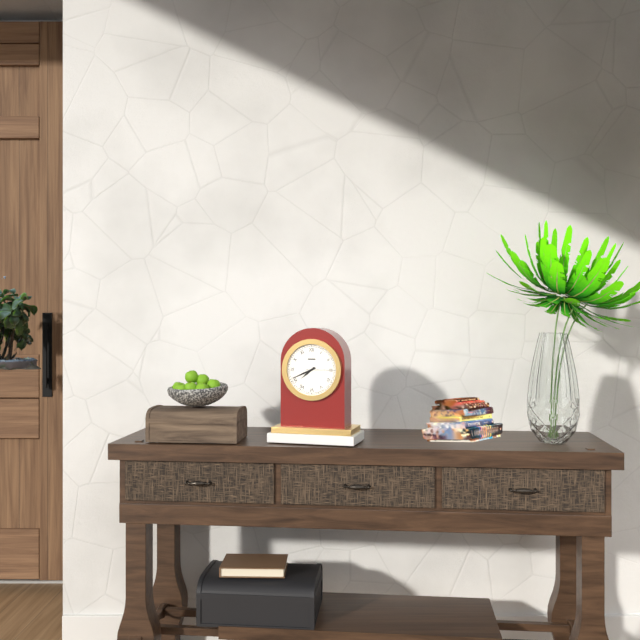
7:41
